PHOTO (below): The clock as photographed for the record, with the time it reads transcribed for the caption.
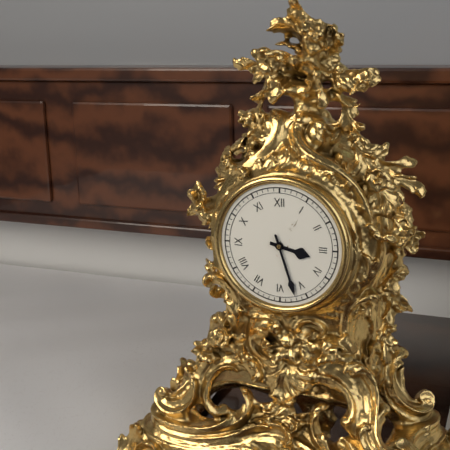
3:27
